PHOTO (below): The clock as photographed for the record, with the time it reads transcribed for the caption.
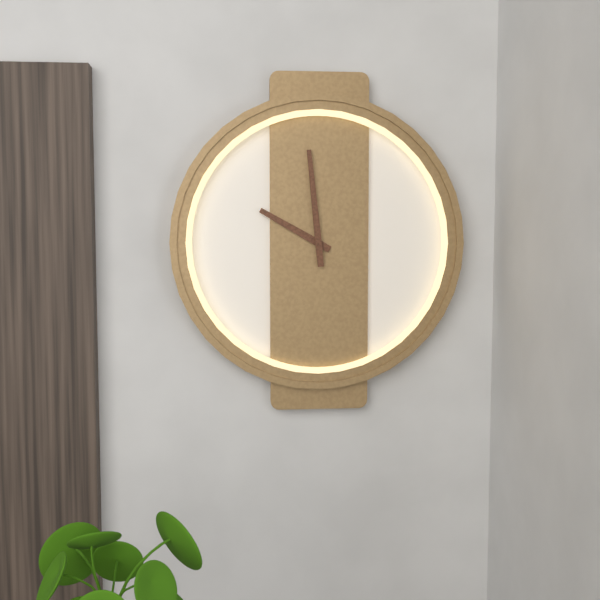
9:59
